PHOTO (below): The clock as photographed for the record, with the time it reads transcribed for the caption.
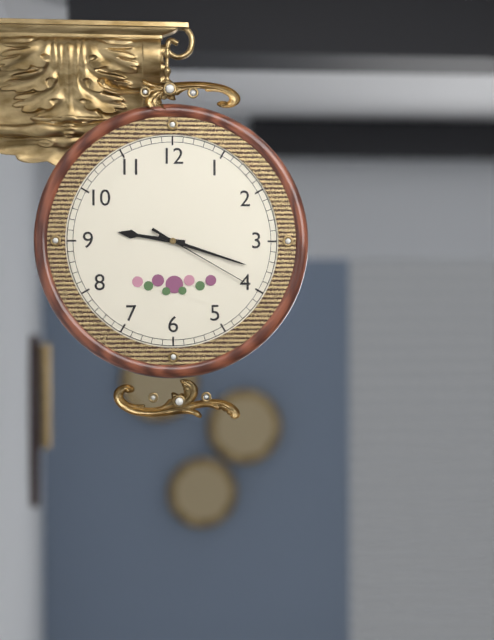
9:18:20
